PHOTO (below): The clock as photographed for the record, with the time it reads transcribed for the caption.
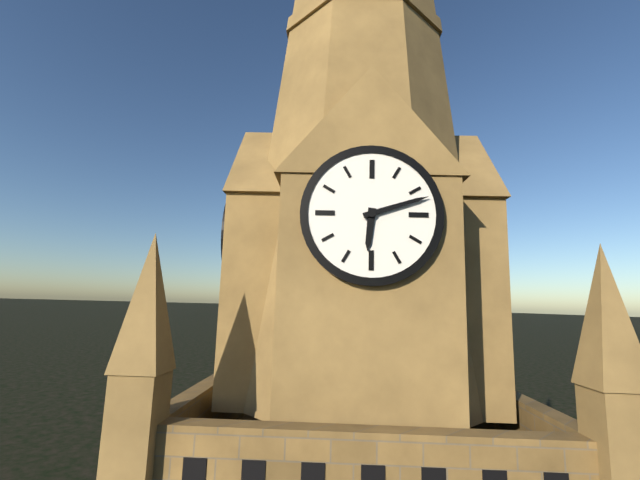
6:12
